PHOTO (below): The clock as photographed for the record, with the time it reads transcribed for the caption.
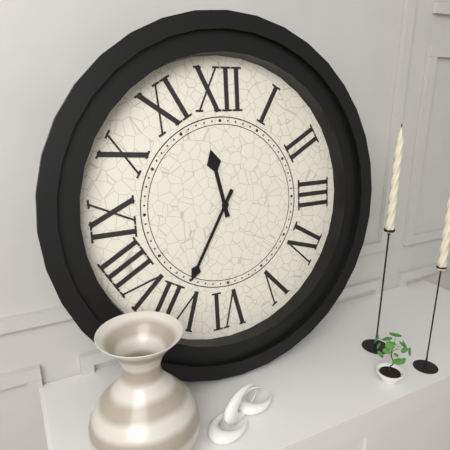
11:35
